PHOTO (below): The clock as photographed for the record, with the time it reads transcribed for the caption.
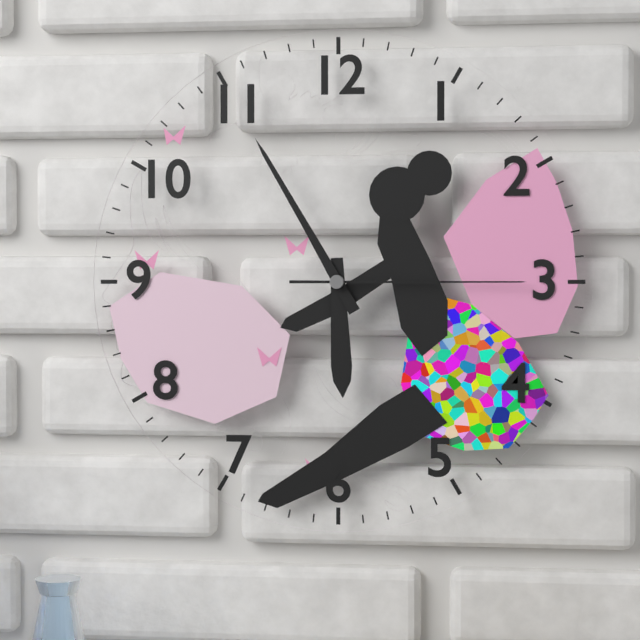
5:55:15
